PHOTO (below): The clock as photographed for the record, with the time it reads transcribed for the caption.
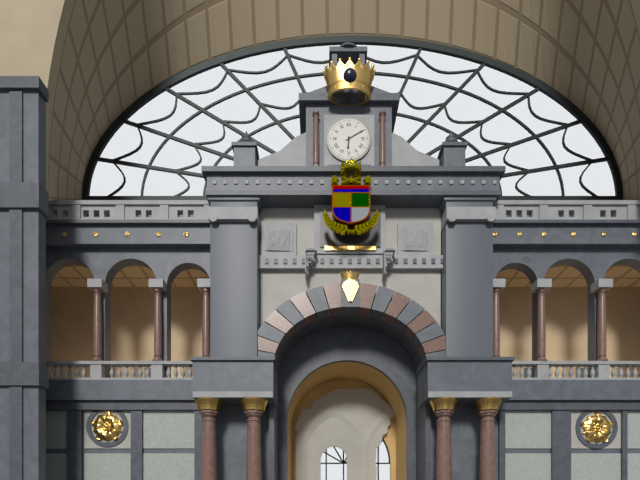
6:10
